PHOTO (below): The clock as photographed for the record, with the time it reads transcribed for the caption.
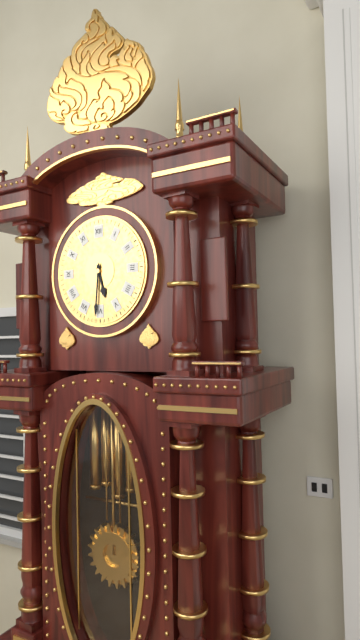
5:31
